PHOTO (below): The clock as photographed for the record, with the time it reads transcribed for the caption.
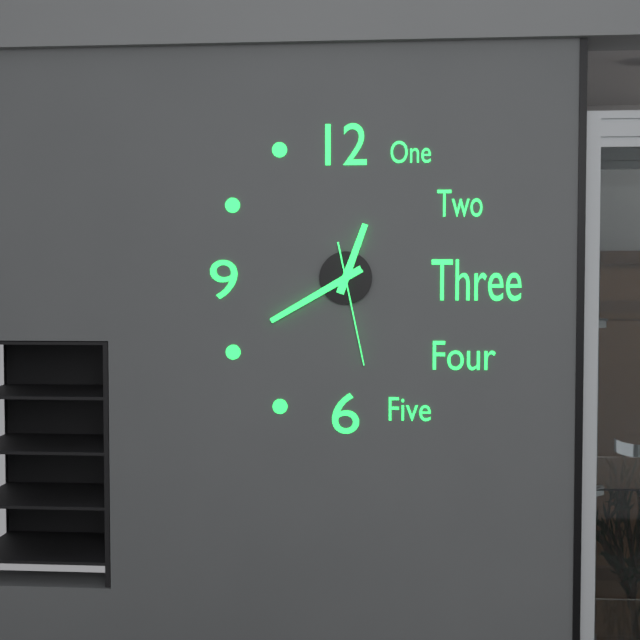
12:40:28
